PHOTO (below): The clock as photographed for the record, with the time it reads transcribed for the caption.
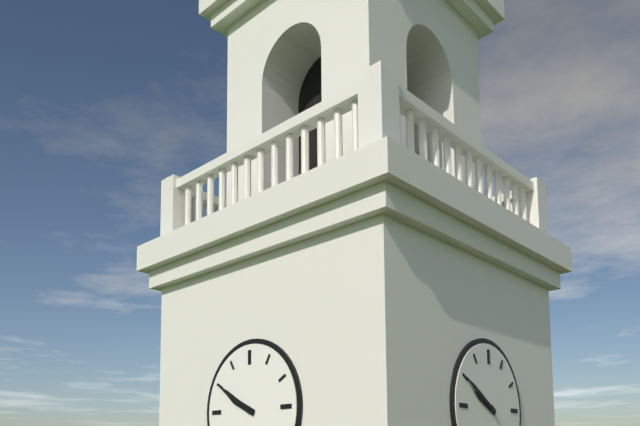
9:50
